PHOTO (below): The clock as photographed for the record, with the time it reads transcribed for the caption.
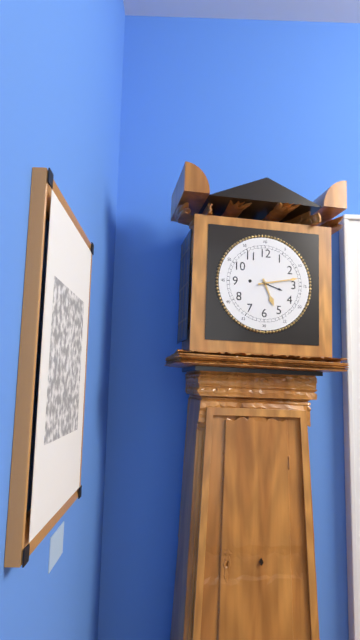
5:13
